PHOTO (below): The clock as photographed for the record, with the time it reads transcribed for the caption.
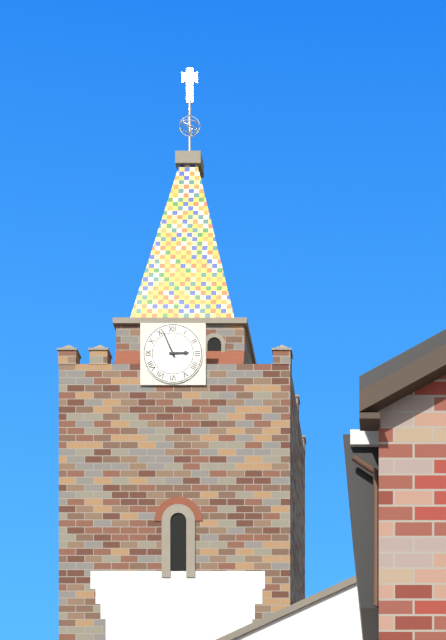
2:56
